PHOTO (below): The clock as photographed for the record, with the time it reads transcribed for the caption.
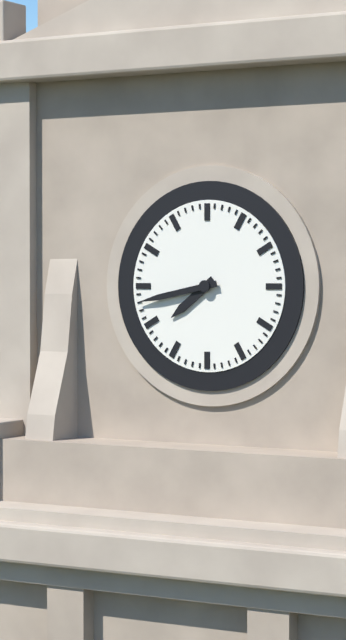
7:43
